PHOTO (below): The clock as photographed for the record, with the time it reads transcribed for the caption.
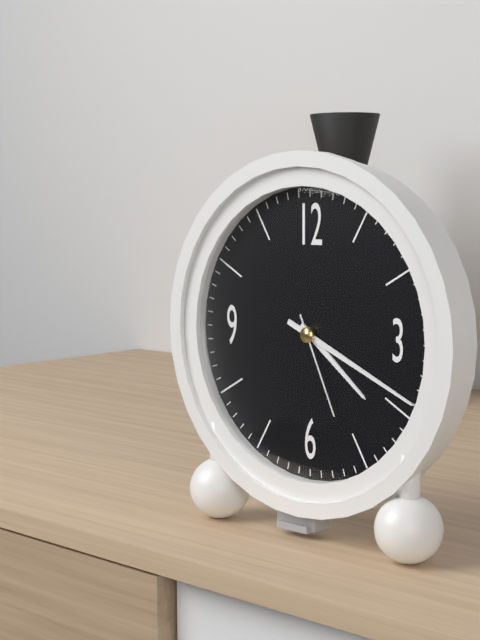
4:19:26
